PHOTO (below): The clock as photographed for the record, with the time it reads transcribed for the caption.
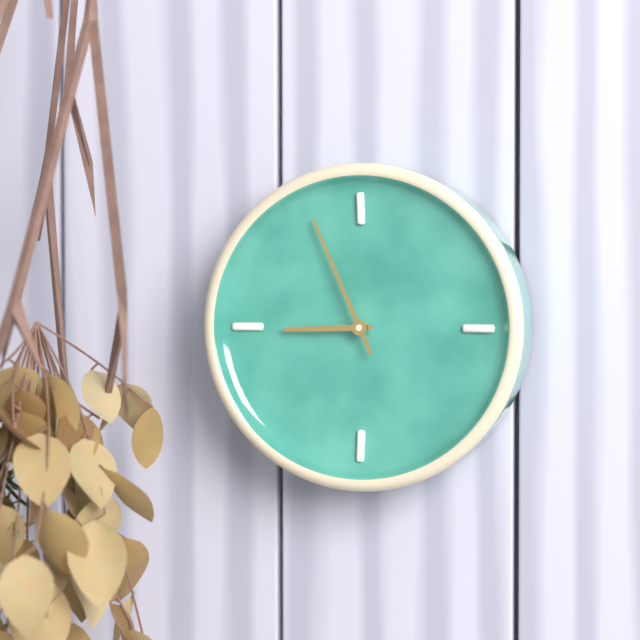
8:56
